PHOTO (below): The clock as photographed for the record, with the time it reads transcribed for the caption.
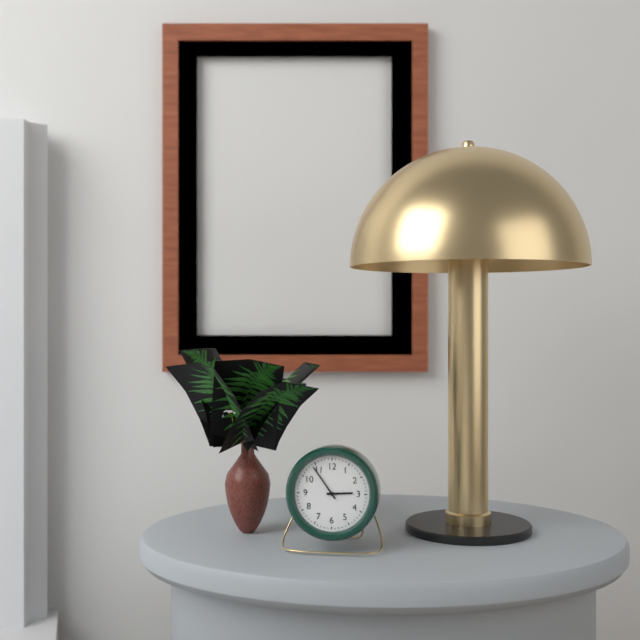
2:54
